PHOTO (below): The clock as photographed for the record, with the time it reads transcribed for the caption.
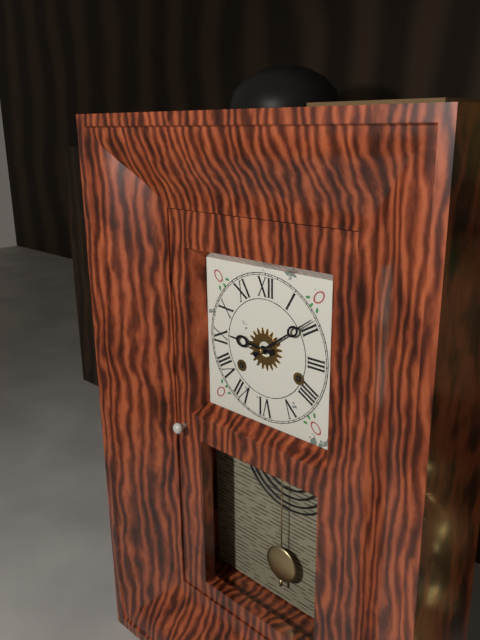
9:09
